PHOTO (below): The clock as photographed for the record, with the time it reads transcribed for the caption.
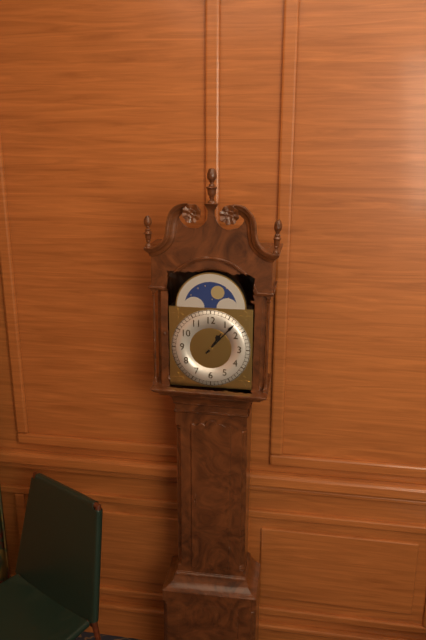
1:07
